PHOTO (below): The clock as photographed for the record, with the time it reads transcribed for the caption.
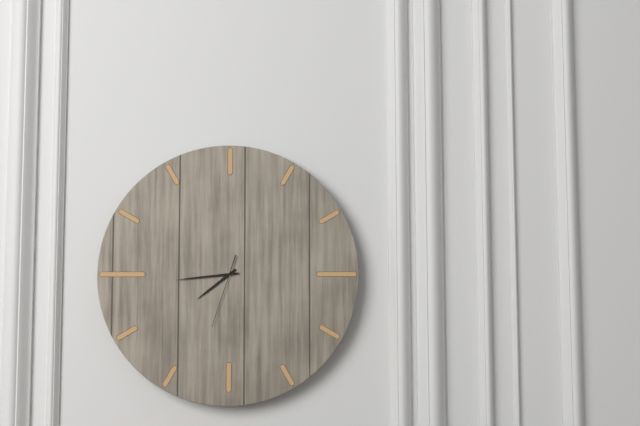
7:44:33
